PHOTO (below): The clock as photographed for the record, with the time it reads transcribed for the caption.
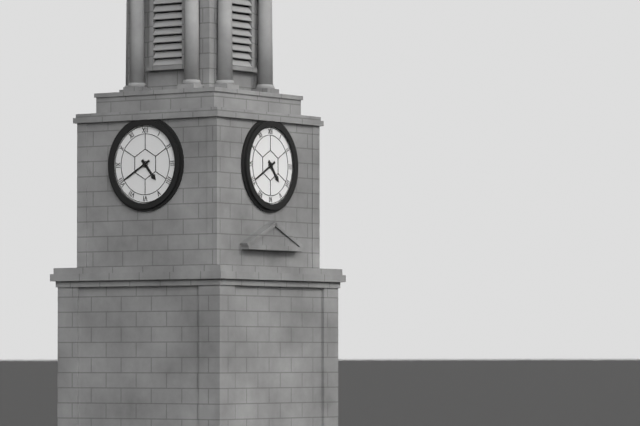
4:40
